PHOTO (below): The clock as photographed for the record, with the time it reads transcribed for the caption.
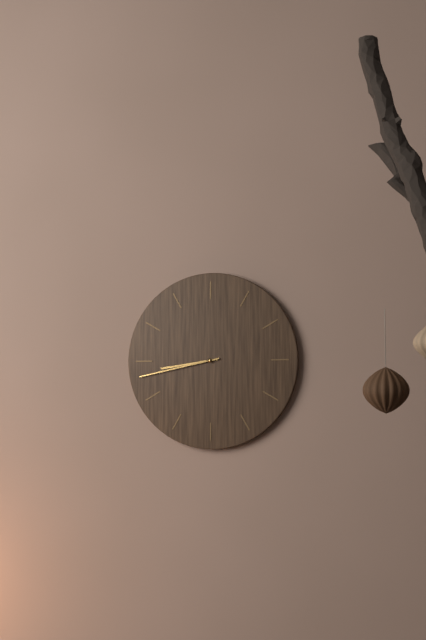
8:43
